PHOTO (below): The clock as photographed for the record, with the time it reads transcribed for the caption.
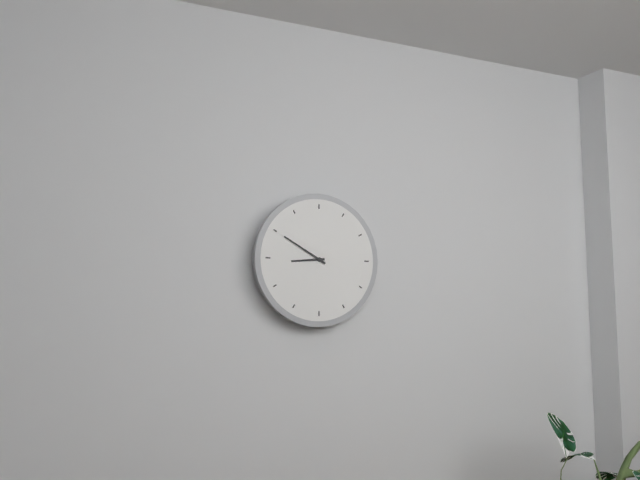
8:50
